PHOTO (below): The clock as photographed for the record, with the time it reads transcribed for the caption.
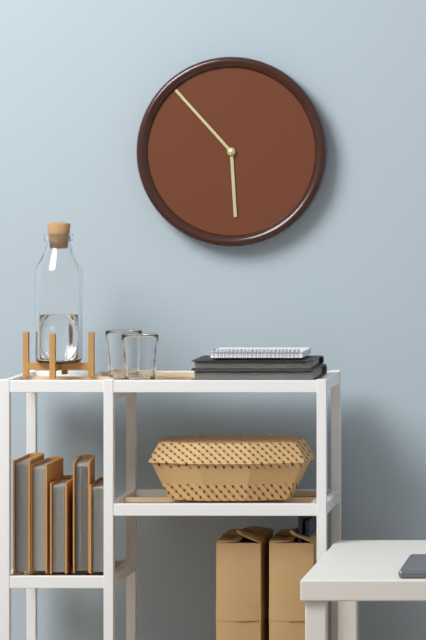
5:53
